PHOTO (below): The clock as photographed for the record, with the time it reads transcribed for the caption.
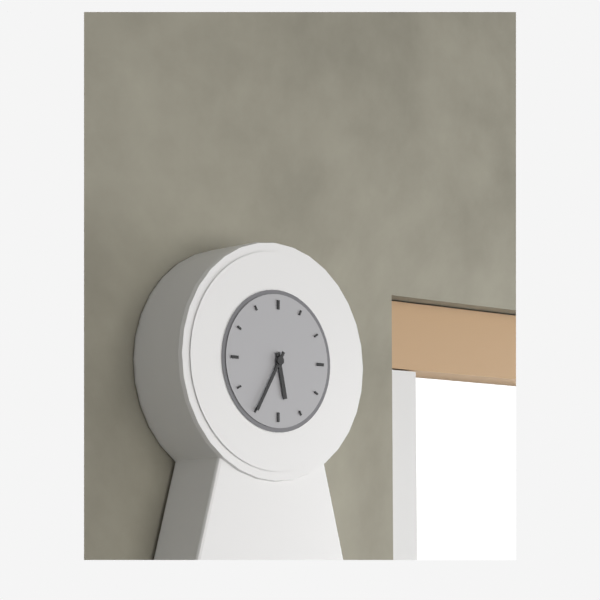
5:35
